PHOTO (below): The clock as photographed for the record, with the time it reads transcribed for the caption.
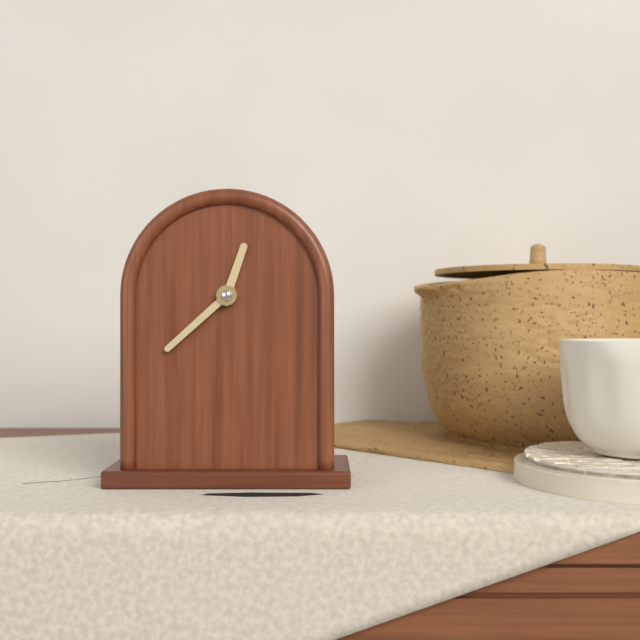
12:38
